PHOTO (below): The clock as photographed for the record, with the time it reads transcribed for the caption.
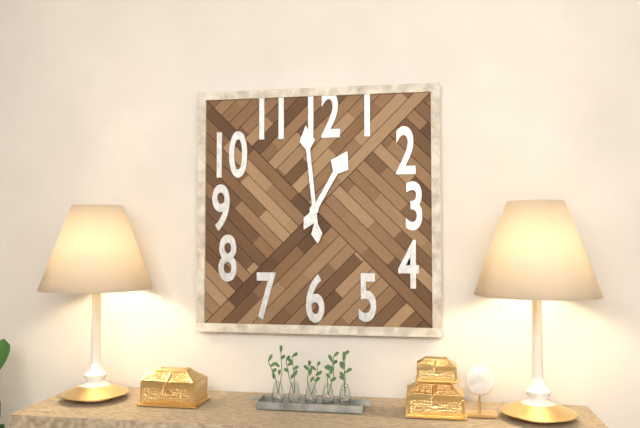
12:59
